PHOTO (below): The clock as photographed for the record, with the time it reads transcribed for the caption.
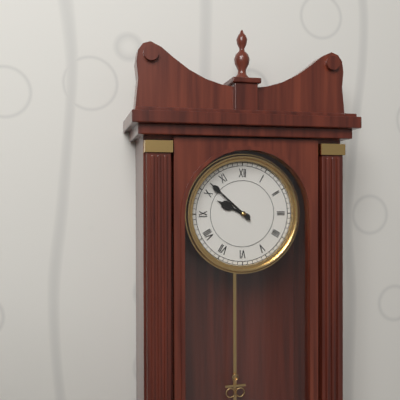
9:52
